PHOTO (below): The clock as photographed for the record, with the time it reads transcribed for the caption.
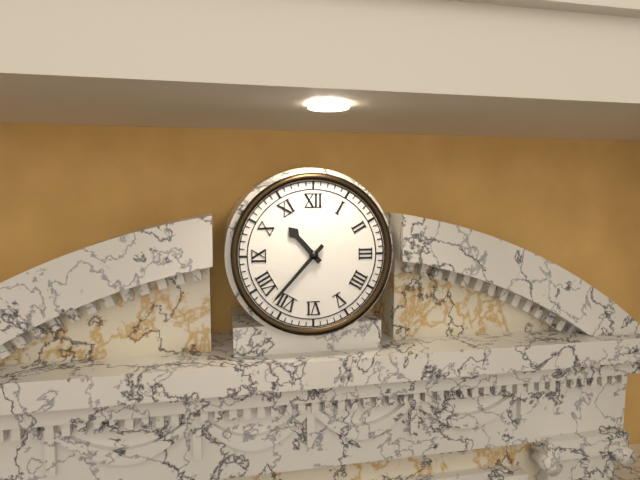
10:37
